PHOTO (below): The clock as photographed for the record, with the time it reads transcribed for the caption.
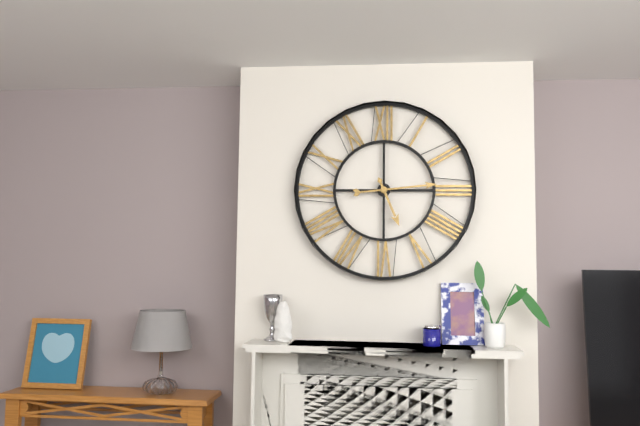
5:14
